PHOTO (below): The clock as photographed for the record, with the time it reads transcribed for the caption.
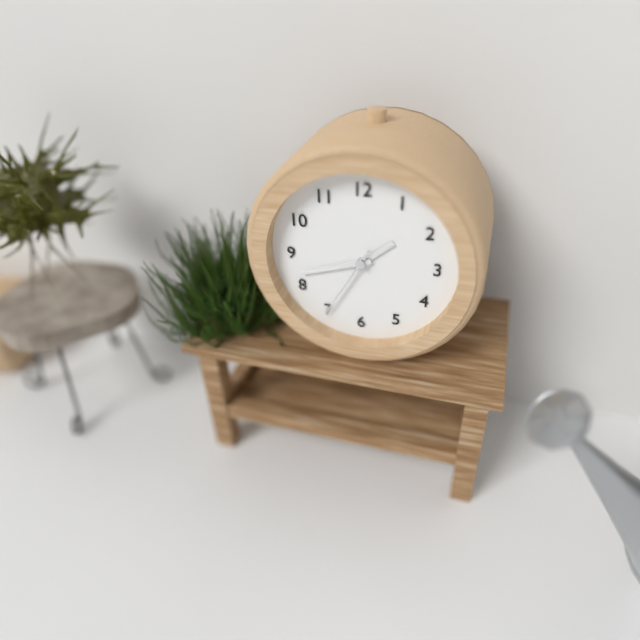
1:42:35
